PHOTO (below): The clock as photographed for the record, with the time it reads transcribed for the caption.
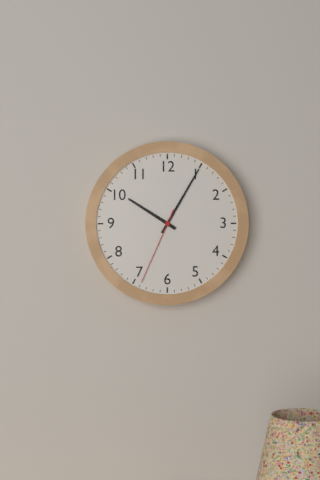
10:05:34
